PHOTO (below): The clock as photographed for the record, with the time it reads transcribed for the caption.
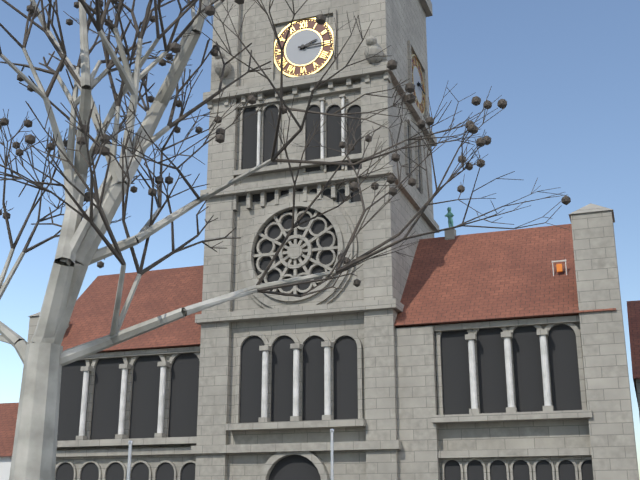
2:15
